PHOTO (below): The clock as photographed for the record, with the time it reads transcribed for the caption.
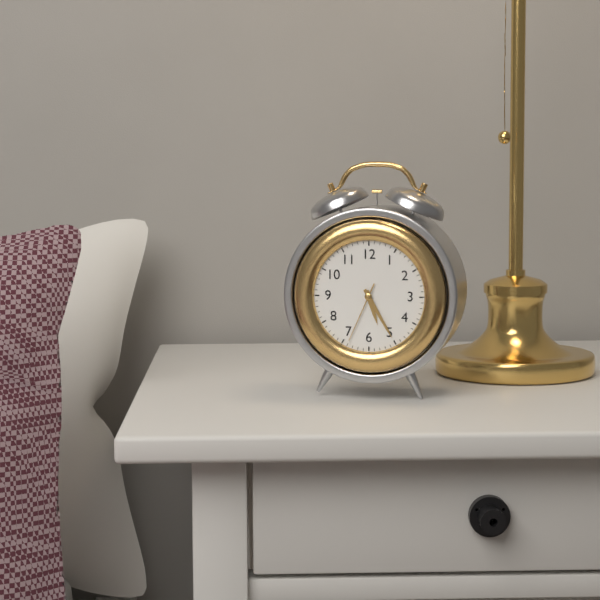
5:25:34
